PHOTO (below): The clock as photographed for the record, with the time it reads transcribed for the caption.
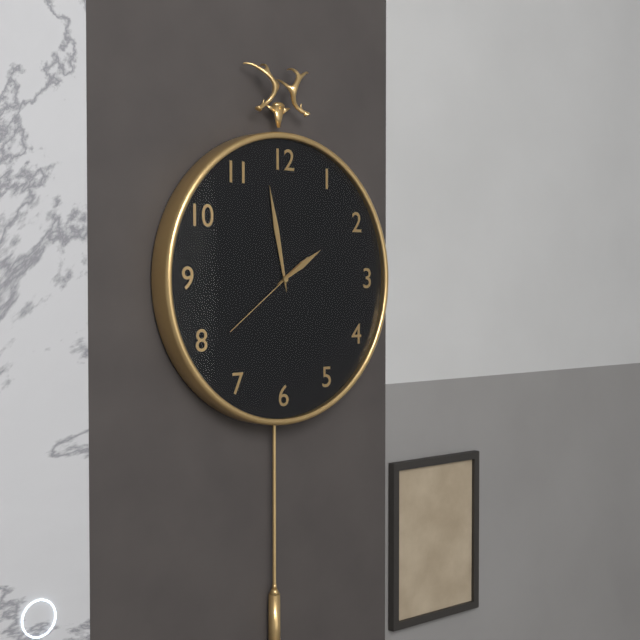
1:58:39
